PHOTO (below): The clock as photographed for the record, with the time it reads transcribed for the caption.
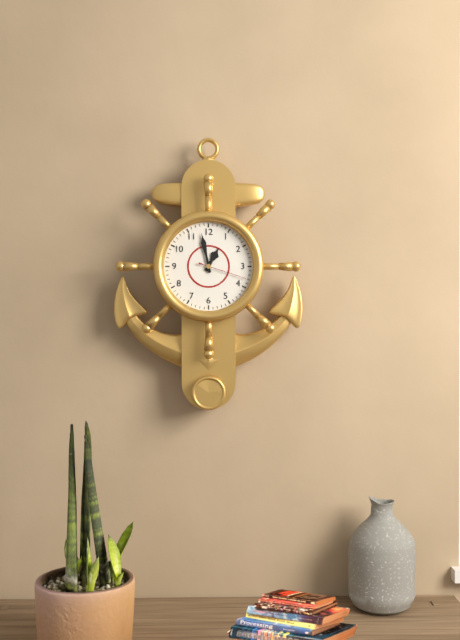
12:58
